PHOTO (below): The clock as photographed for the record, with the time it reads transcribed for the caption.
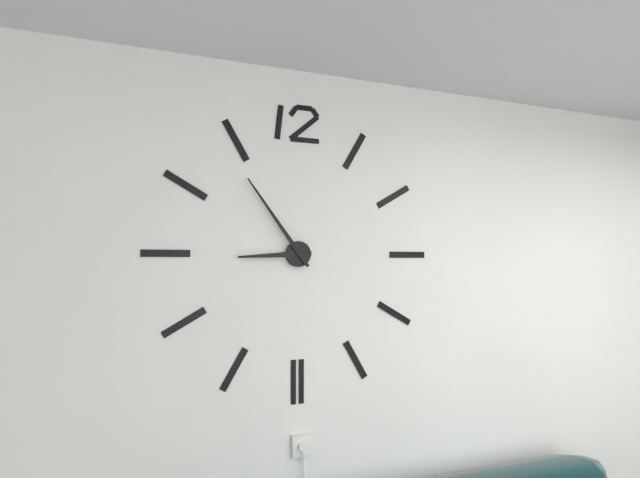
8:54
